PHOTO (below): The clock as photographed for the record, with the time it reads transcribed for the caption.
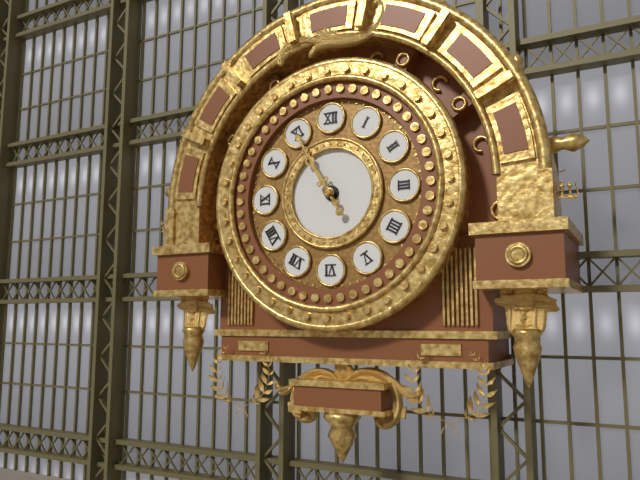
10:55
